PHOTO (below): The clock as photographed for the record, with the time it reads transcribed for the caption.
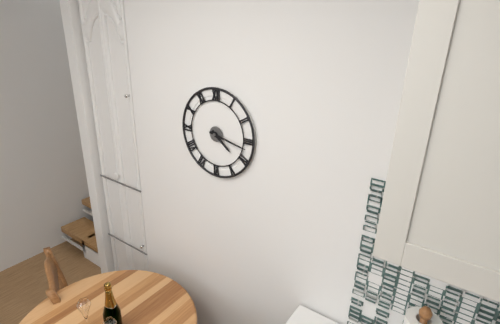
4:17
